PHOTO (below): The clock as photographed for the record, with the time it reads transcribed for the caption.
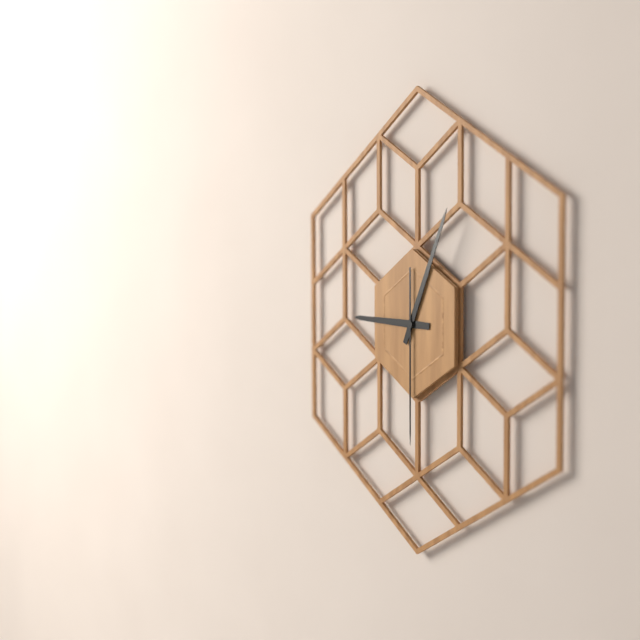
9:04:30
